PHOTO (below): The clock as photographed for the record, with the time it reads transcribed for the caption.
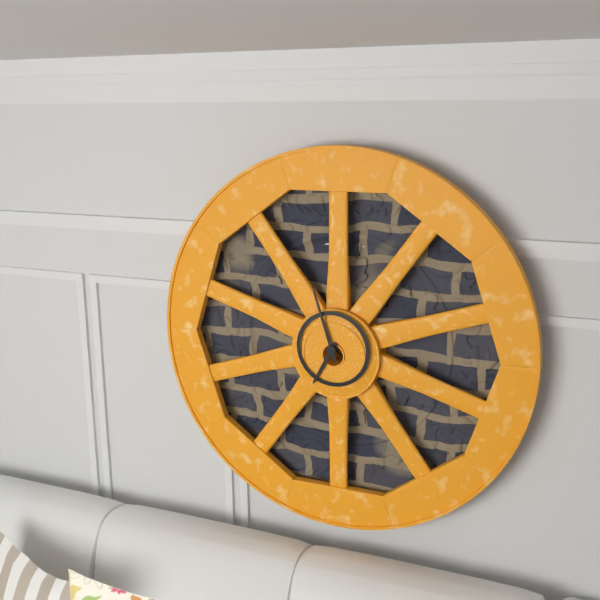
6:57
